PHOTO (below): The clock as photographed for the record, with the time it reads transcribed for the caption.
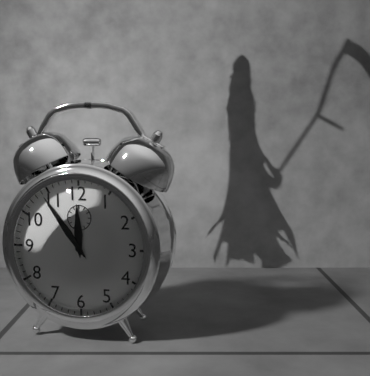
11:54
